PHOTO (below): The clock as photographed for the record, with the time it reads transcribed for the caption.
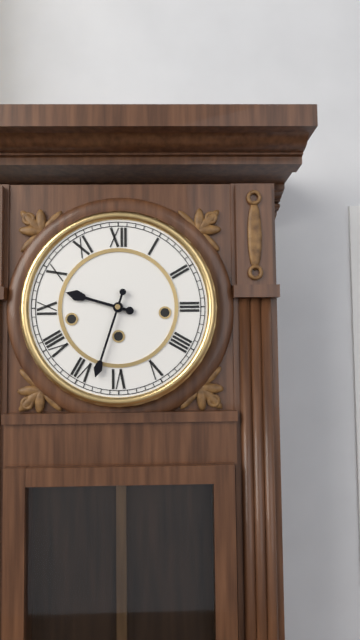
9:33
